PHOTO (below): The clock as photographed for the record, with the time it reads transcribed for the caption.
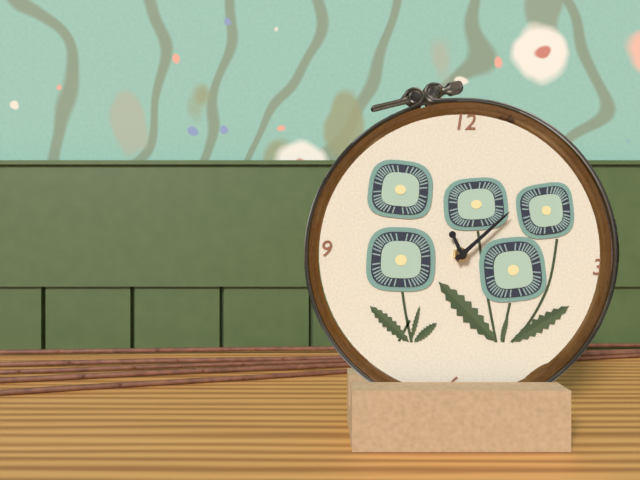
11:08
